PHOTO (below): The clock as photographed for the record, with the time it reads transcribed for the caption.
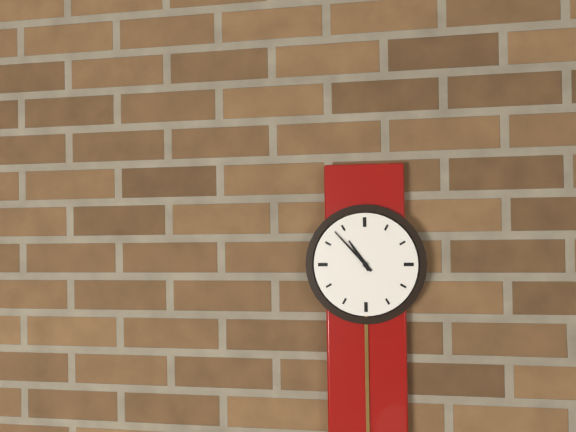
10:53
